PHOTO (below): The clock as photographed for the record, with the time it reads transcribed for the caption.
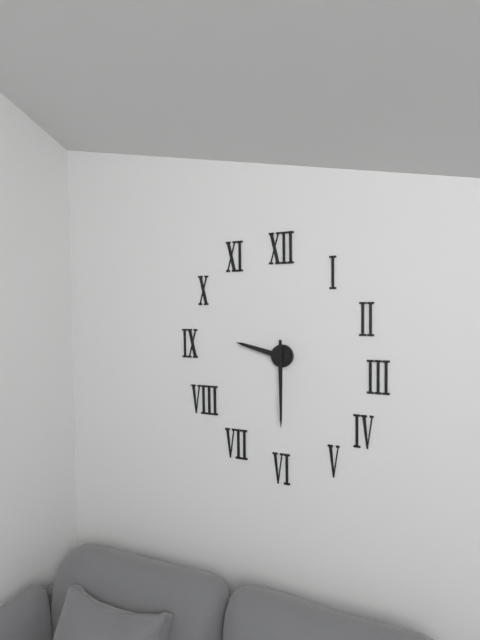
9:30
